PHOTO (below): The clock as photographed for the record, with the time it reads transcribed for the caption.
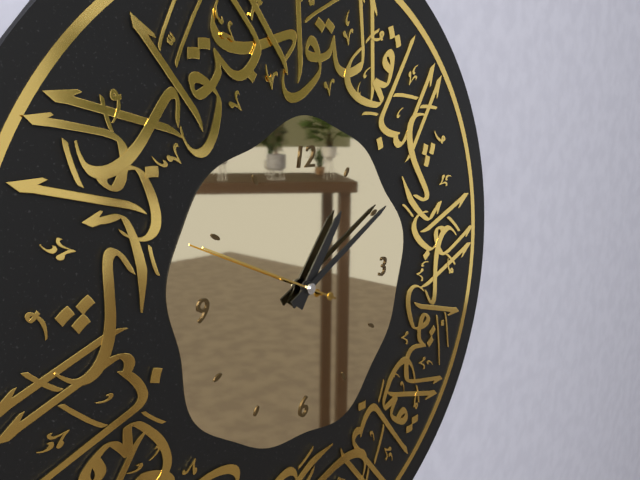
1:10:49
